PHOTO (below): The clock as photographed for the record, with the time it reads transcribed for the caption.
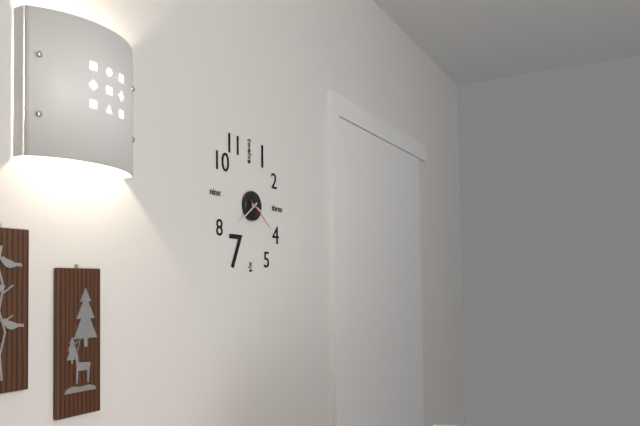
3:39
